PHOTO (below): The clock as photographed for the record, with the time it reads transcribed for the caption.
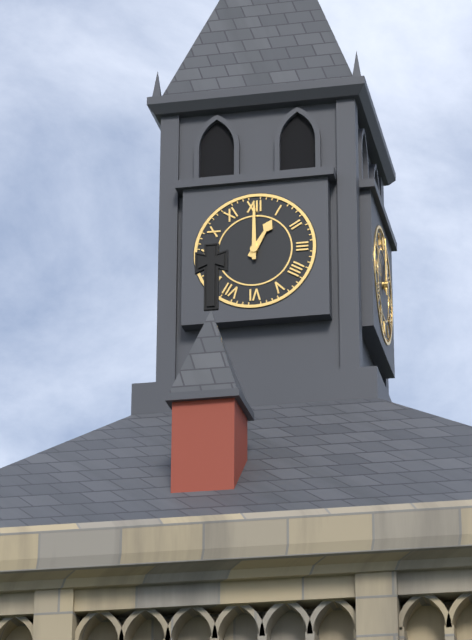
1:00
